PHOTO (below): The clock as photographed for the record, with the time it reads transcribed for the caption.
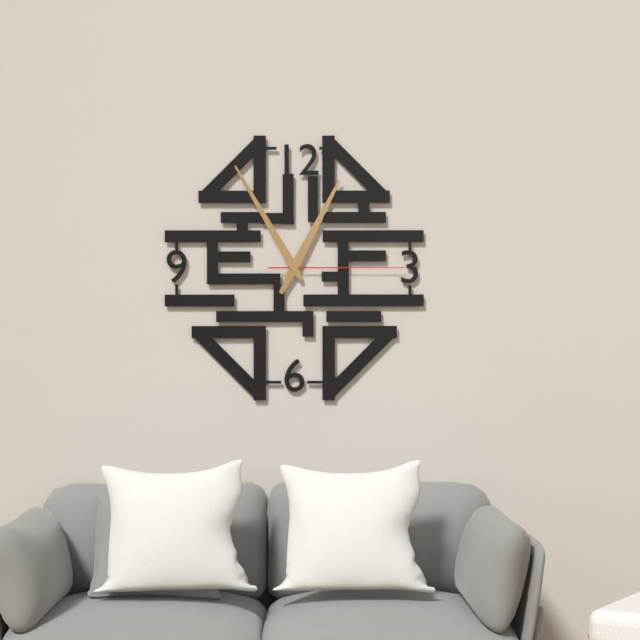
12:55:15
